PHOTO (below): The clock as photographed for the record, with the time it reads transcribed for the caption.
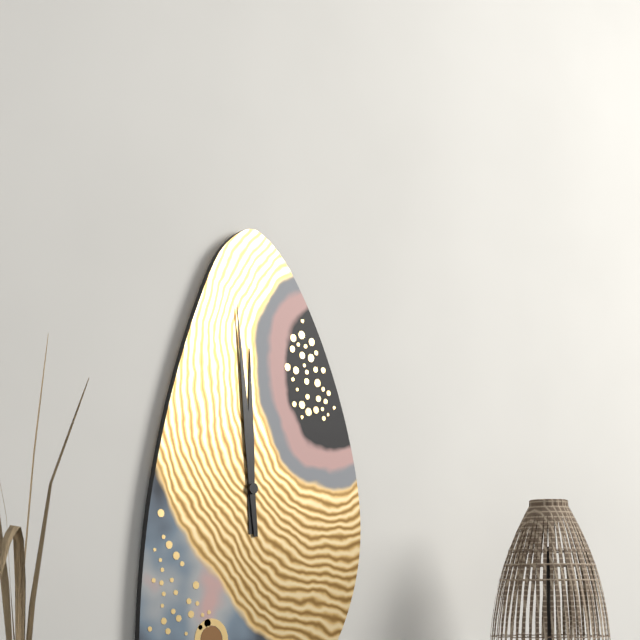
11:59
